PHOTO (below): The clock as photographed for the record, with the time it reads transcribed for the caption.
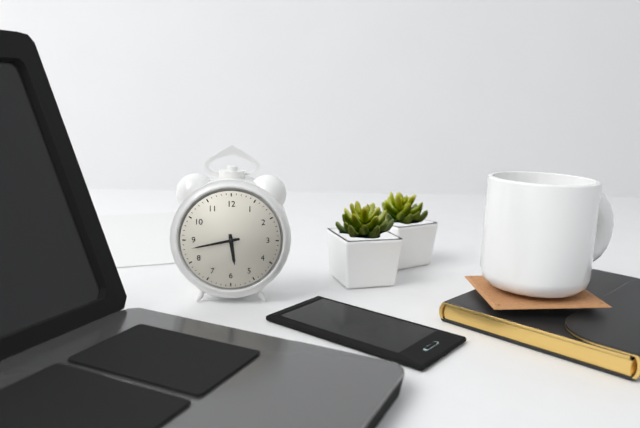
5:43
